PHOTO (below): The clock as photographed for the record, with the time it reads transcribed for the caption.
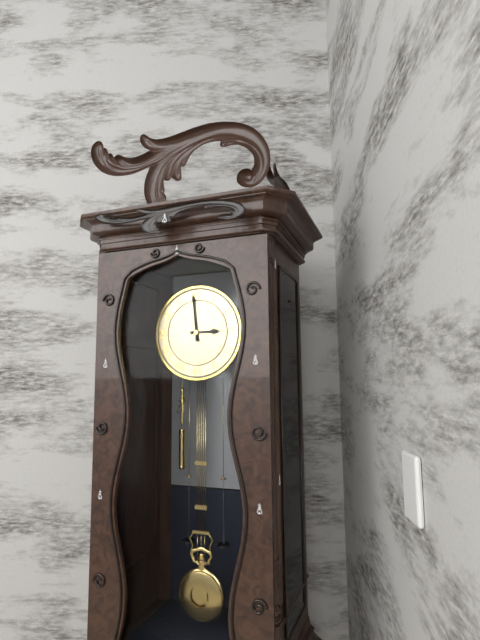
2:59
